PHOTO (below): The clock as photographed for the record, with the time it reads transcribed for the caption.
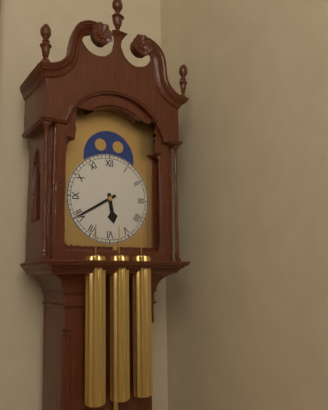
5:40
